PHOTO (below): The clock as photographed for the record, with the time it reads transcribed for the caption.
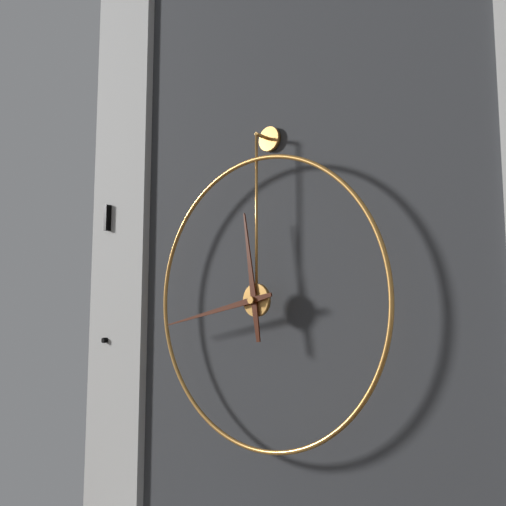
11:43
